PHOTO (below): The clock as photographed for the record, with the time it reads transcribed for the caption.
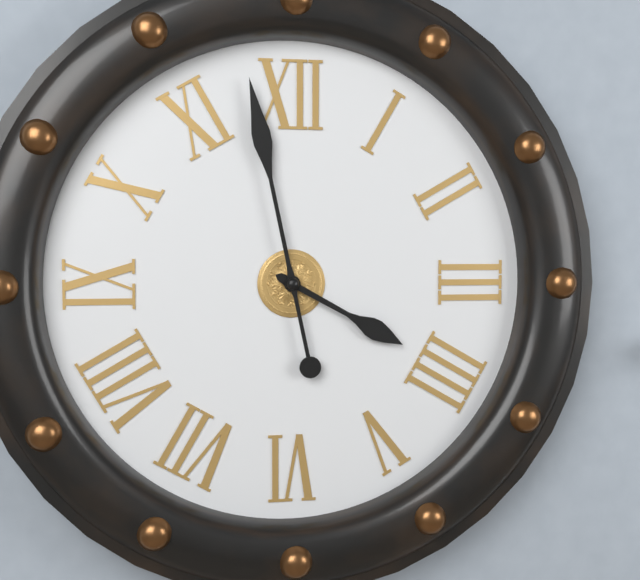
3:58
